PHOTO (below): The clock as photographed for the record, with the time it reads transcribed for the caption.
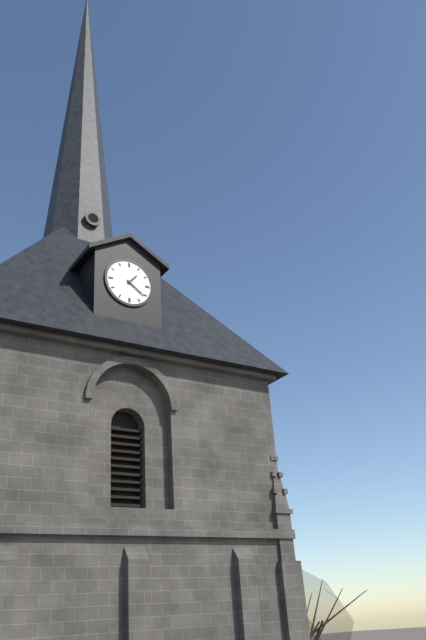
1:21
